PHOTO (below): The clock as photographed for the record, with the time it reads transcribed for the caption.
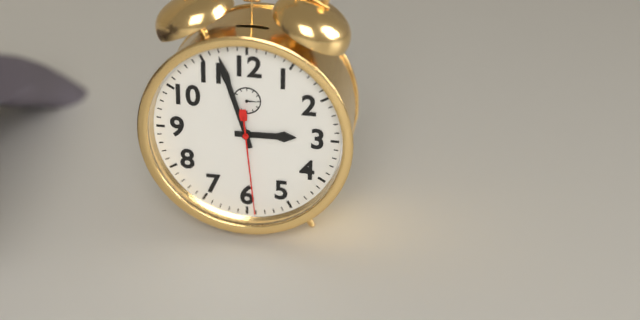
2:57:29
